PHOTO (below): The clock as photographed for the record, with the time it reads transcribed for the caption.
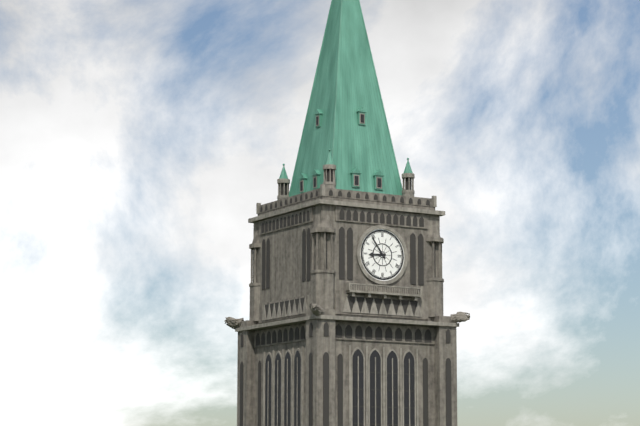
8:54
